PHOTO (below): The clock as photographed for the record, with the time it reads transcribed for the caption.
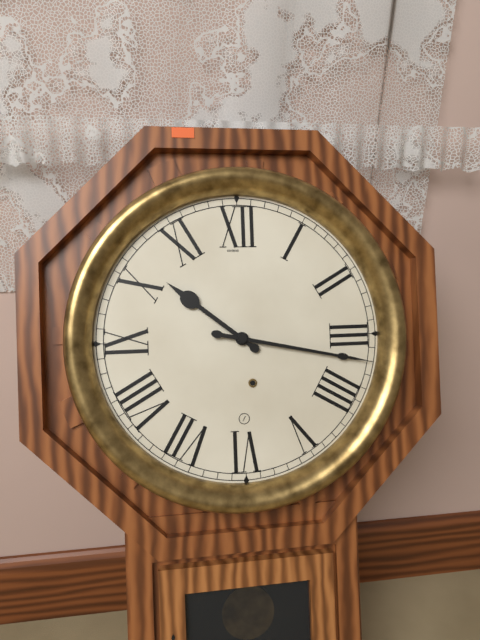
10:17
